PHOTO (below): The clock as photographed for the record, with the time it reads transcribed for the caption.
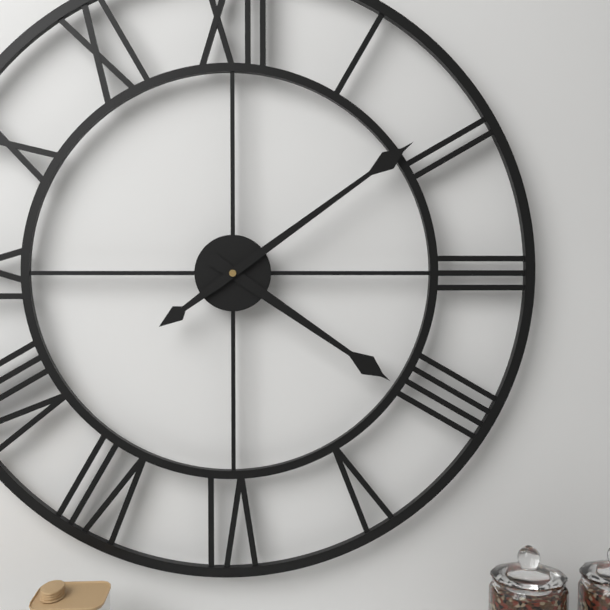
4:09
